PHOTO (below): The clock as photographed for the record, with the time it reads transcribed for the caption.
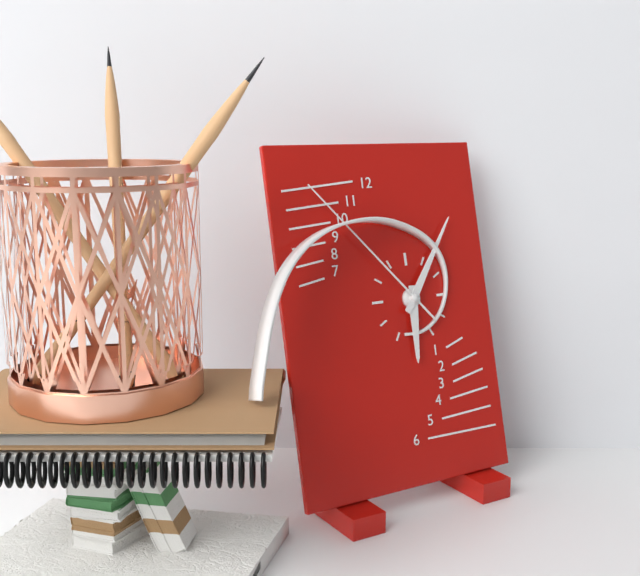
6:06:53
